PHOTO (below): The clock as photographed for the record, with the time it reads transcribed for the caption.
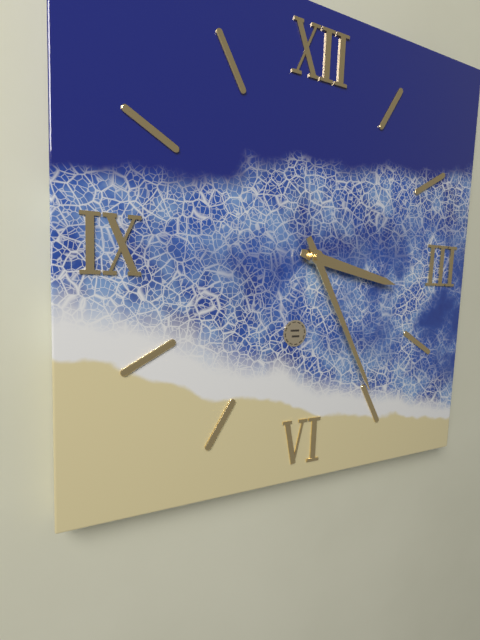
3:25
